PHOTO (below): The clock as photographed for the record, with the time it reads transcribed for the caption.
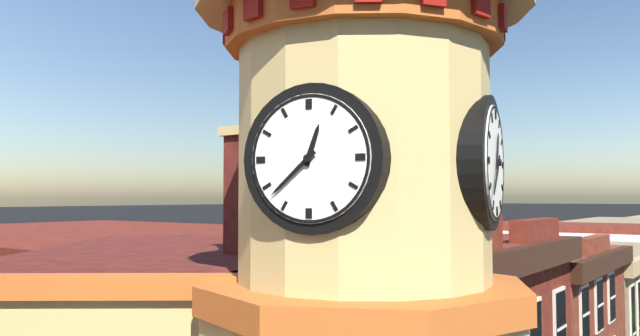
12:38
